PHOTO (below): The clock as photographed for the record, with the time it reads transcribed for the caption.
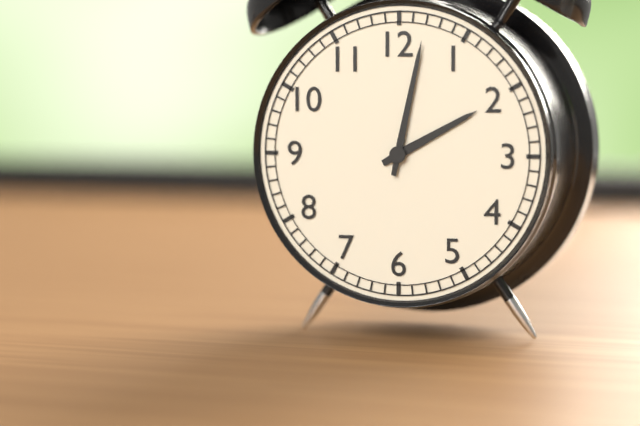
2:02
